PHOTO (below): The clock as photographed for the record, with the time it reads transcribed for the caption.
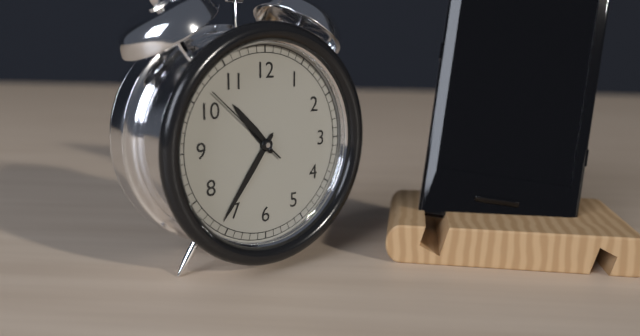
10:36:52
